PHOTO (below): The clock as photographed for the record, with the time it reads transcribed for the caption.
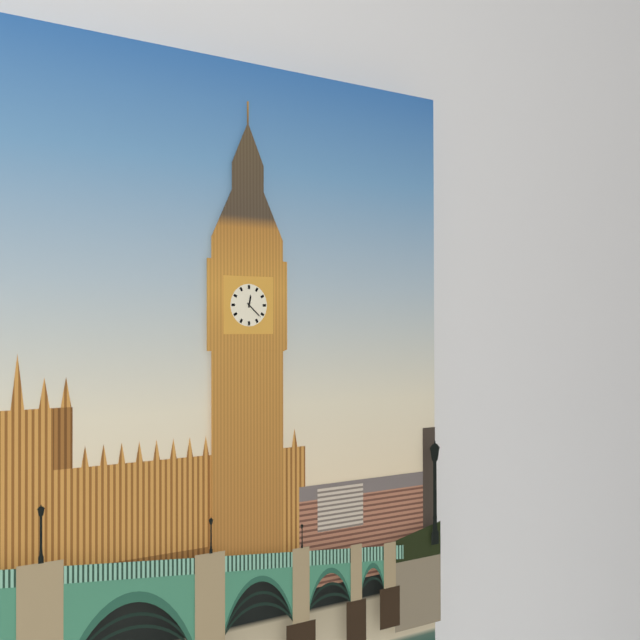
12:22
